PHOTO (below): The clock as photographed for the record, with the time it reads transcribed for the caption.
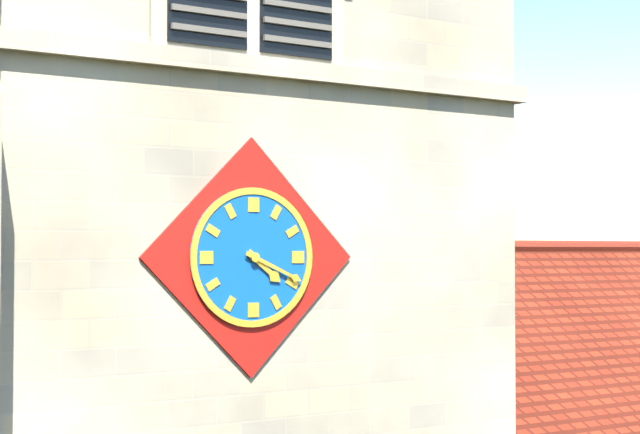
4:19
